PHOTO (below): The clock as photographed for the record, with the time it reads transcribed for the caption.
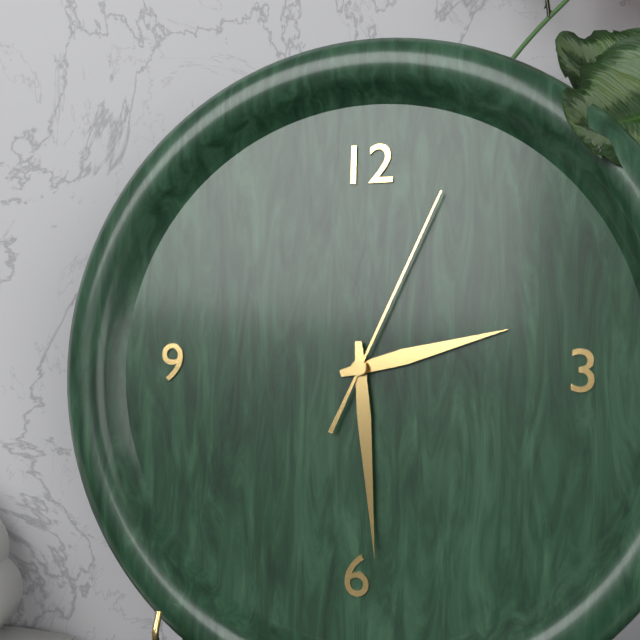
2:29:04
